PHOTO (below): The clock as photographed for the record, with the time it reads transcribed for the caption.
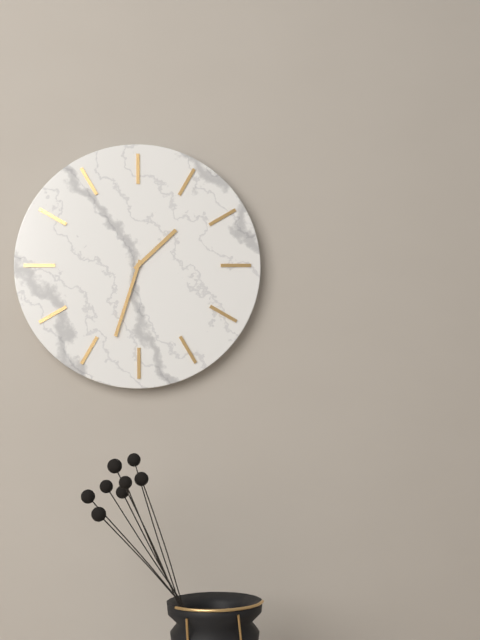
1:33
